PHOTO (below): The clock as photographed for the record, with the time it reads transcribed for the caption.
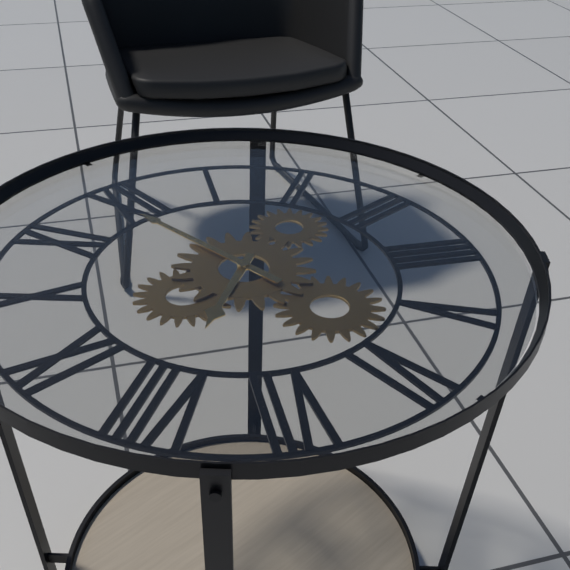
7:59
